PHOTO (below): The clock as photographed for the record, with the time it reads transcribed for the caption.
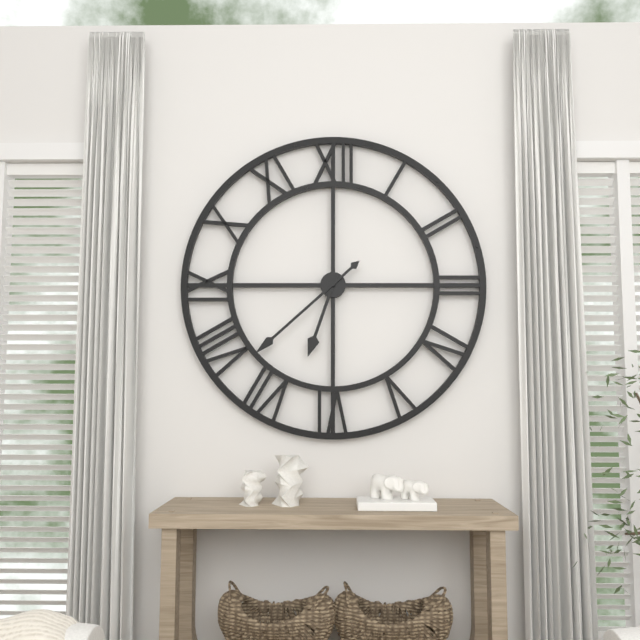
6:38
